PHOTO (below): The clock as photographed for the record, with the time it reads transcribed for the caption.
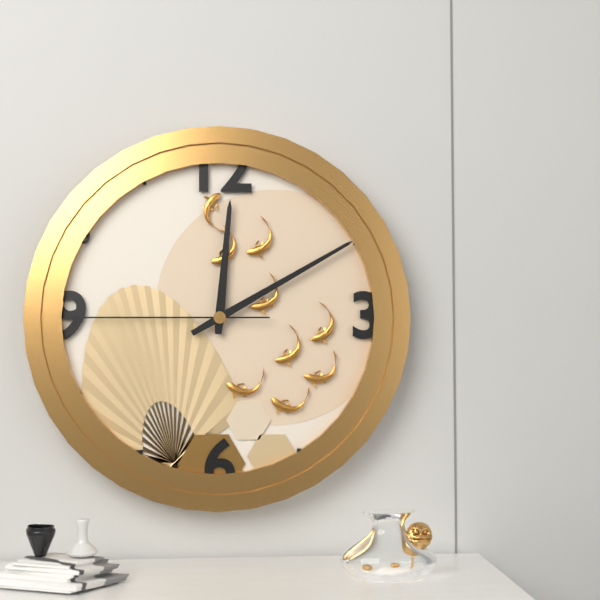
12:10:45
